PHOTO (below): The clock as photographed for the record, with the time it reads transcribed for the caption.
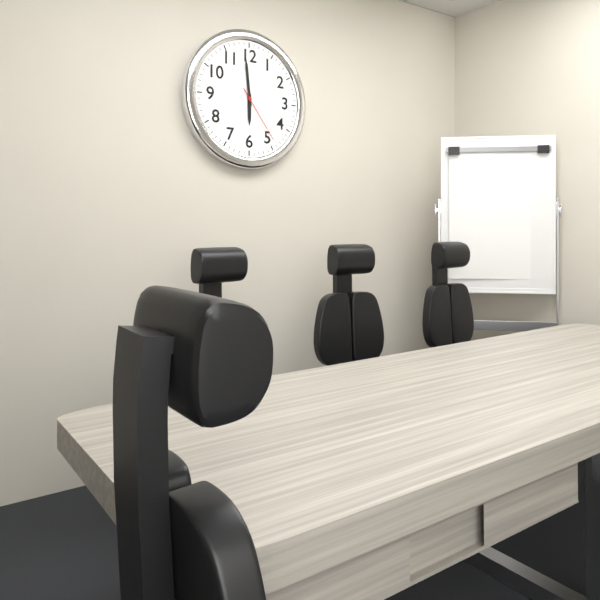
5:59:24
